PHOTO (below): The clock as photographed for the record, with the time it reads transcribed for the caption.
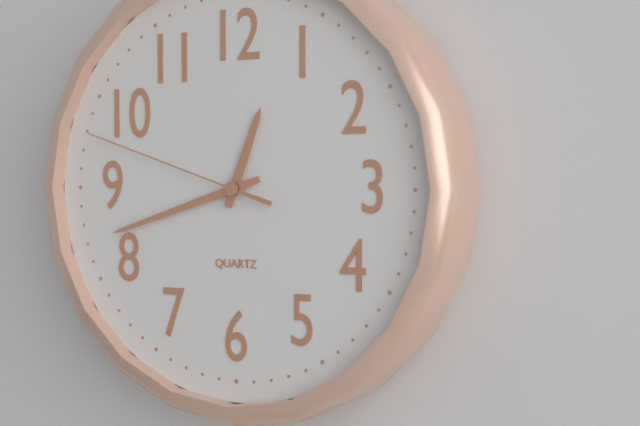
12:42:48
